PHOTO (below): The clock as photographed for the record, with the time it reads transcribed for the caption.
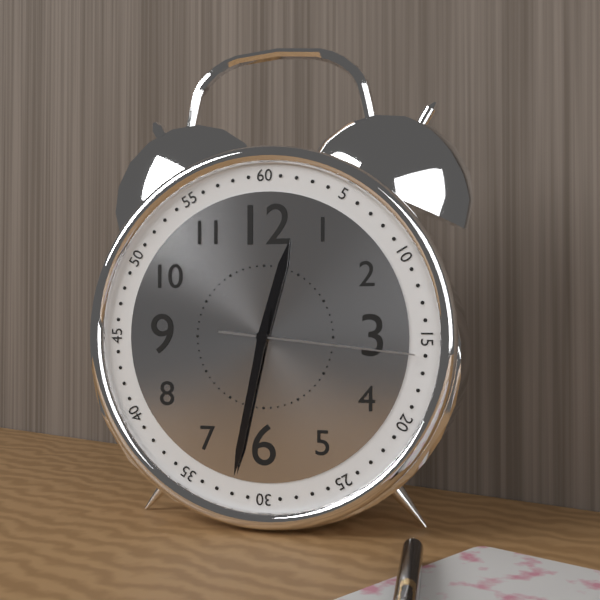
12:32:16
